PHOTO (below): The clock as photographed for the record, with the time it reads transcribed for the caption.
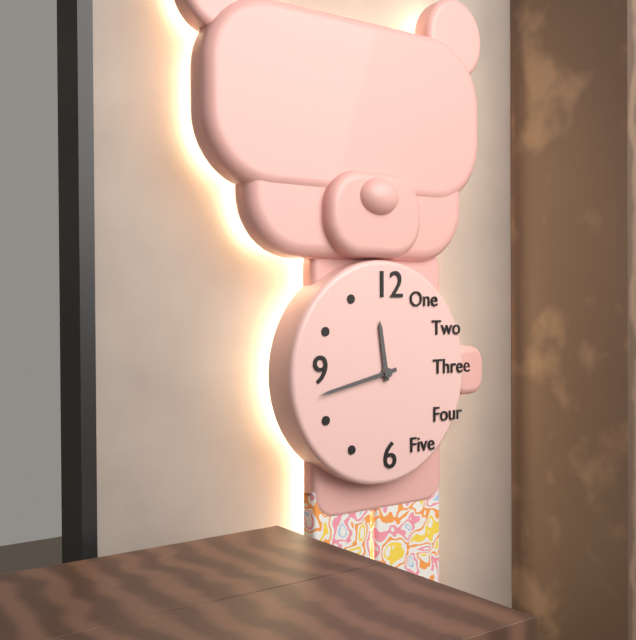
11:43
